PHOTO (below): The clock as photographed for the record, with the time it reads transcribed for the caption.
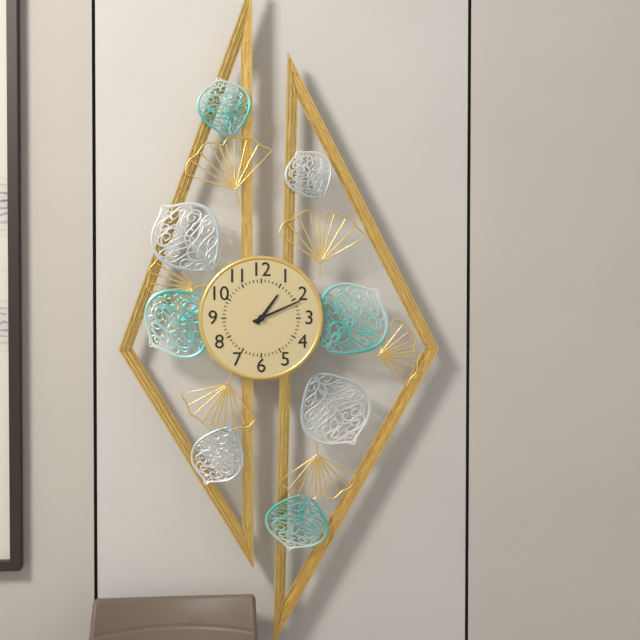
1:11
